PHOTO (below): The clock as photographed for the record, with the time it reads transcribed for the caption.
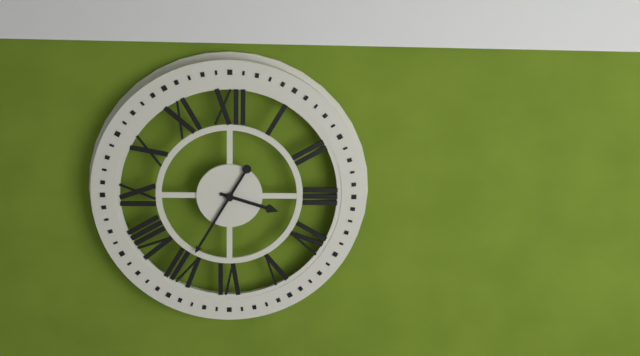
3:35
